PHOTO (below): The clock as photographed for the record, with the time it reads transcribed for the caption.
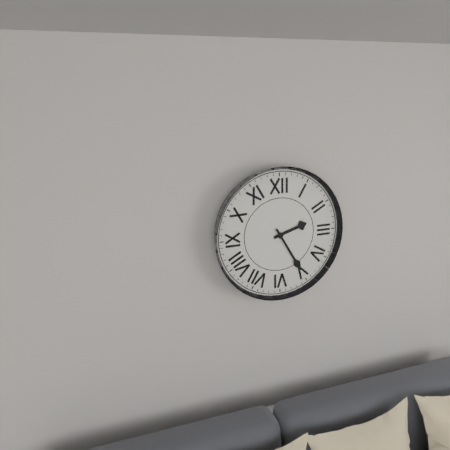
2:25
